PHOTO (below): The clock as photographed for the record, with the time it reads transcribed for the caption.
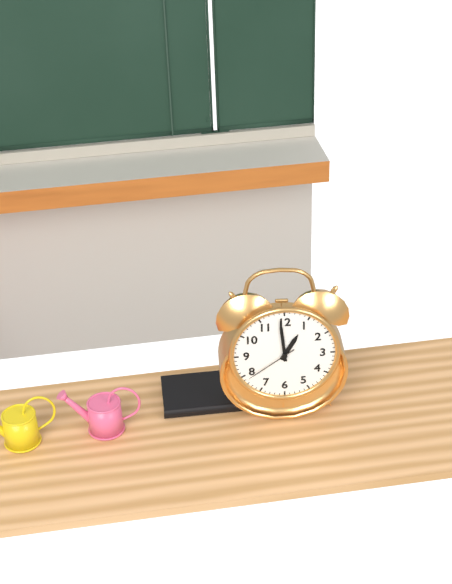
12:59:39
